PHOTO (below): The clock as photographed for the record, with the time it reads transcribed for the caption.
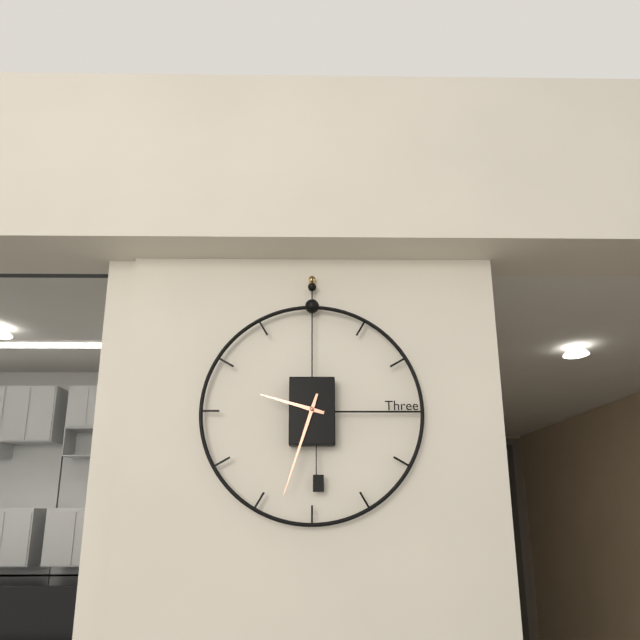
9:33
